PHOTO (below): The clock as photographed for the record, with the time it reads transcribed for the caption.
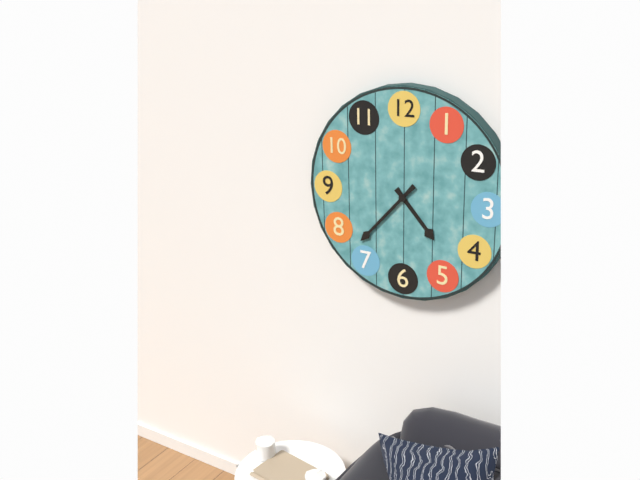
4:37
